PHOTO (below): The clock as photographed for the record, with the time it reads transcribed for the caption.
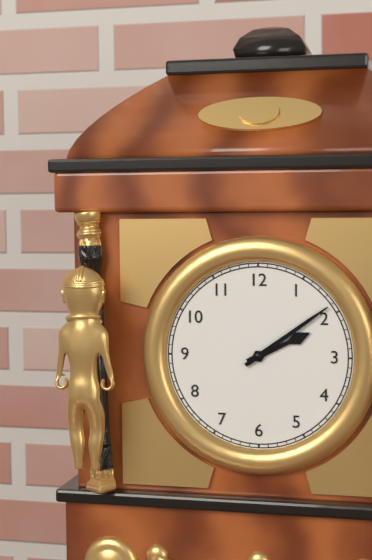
2:09
